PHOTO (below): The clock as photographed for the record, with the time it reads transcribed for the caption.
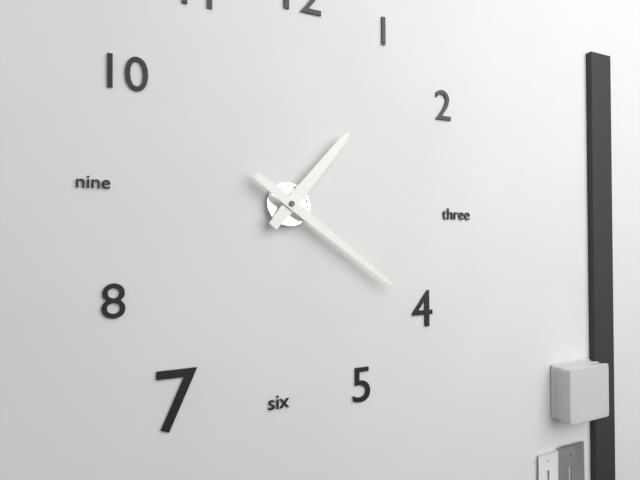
1:21
